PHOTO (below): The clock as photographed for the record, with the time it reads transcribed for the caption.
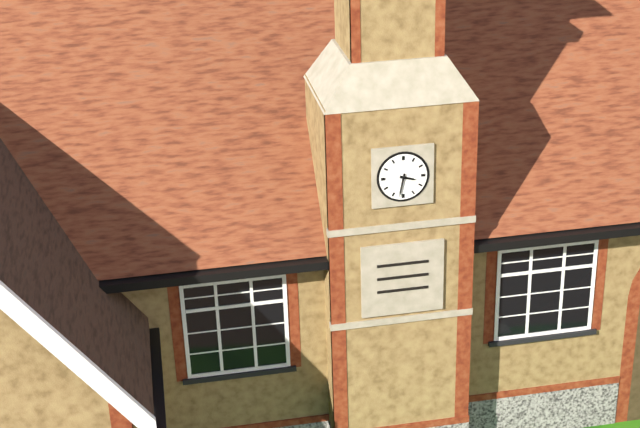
3:32
